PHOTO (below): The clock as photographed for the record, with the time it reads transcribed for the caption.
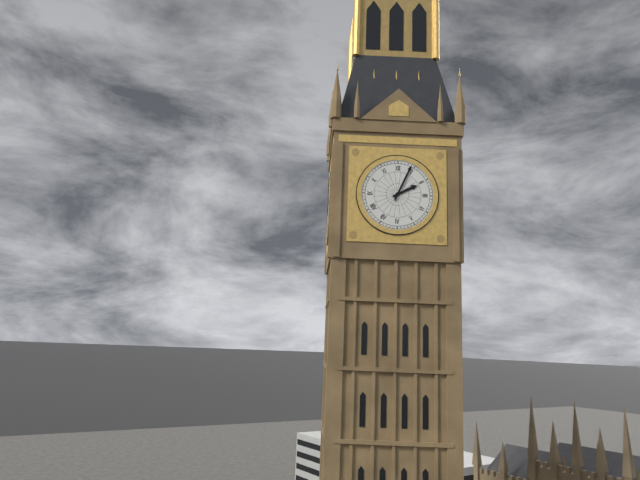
2:04
